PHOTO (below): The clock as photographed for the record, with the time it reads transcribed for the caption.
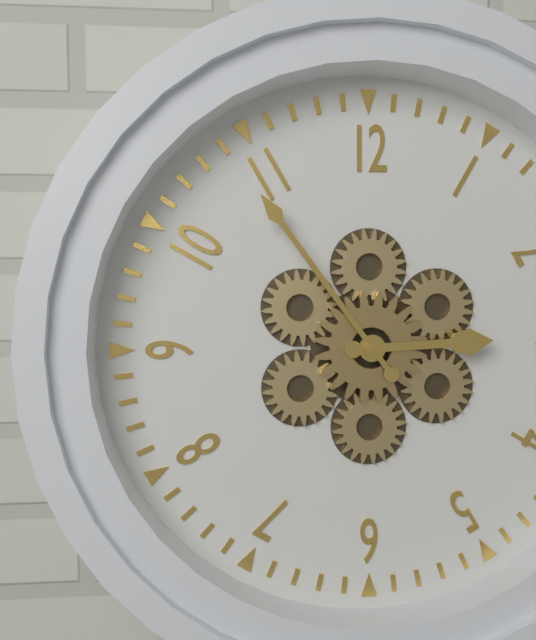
2:54
